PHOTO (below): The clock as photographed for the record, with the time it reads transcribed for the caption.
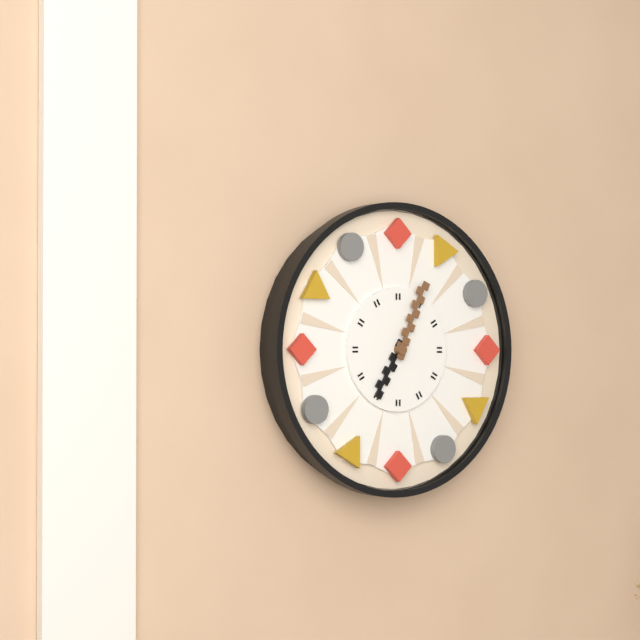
7:04
